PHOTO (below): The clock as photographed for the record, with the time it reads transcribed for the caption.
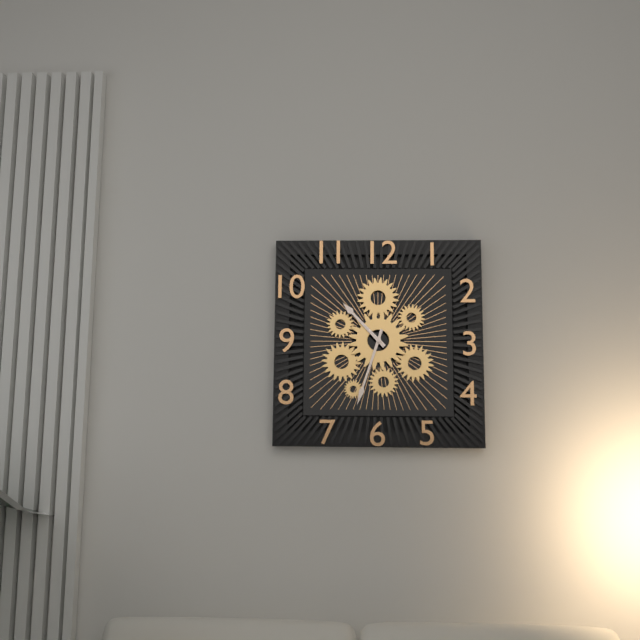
10:33
